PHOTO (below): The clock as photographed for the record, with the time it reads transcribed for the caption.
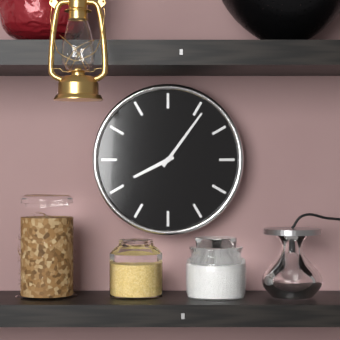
8:06
